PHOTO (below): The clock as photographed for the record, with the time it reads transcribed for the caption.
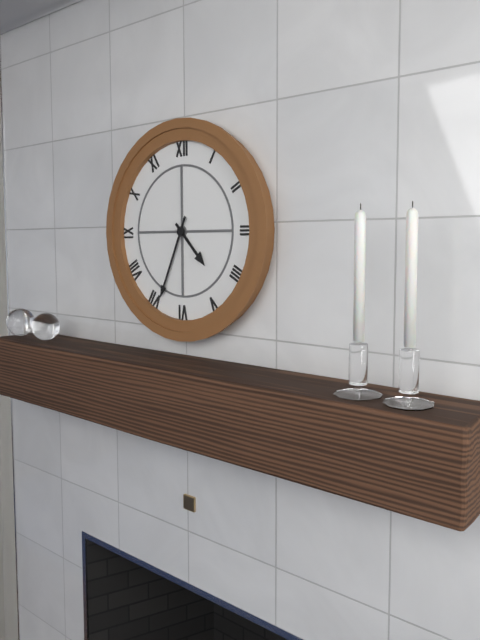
4:34
